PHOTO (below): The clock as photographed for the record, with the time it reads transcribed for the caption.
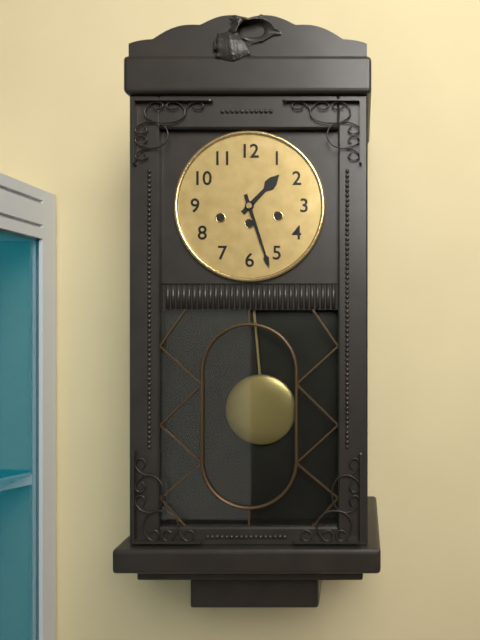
1:27
